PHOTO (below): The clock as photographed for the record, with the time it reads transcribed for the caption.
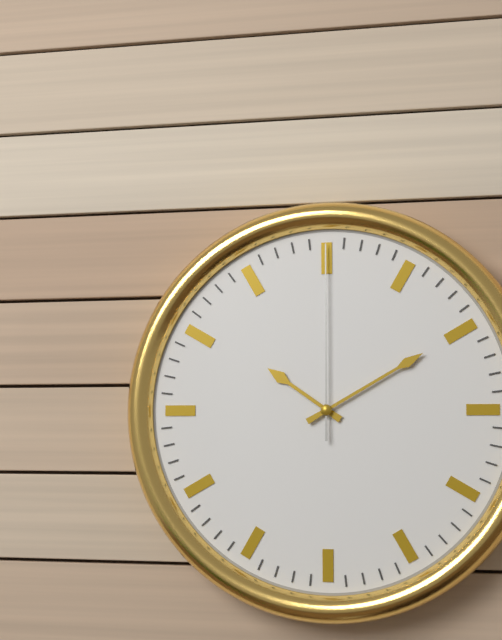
10:10:00
